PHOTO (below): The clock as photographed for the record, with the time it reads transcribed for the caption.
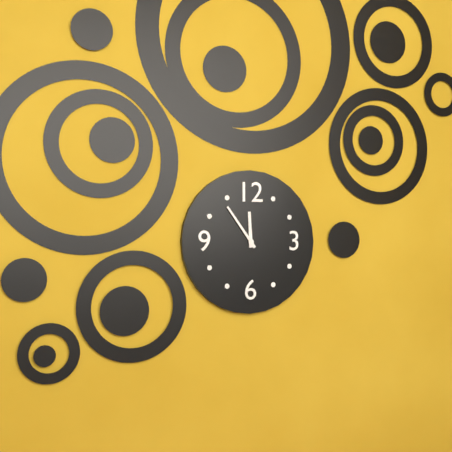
11:54
